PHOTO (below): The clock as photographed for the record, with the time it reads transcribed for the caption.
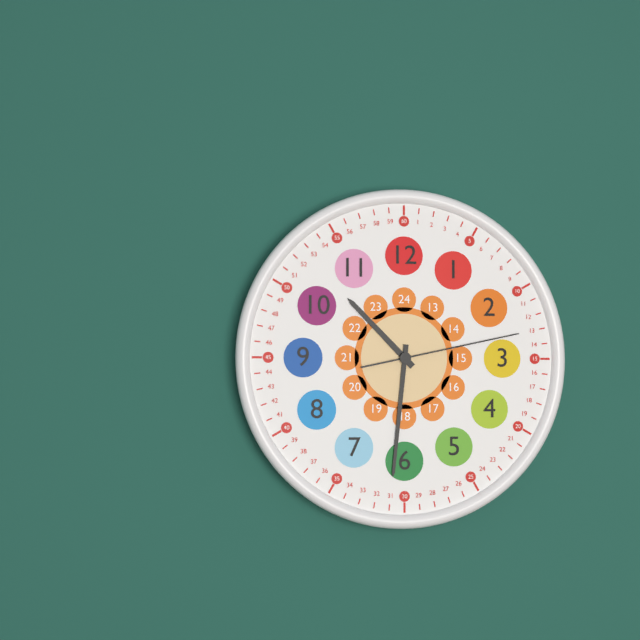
10:31:13
